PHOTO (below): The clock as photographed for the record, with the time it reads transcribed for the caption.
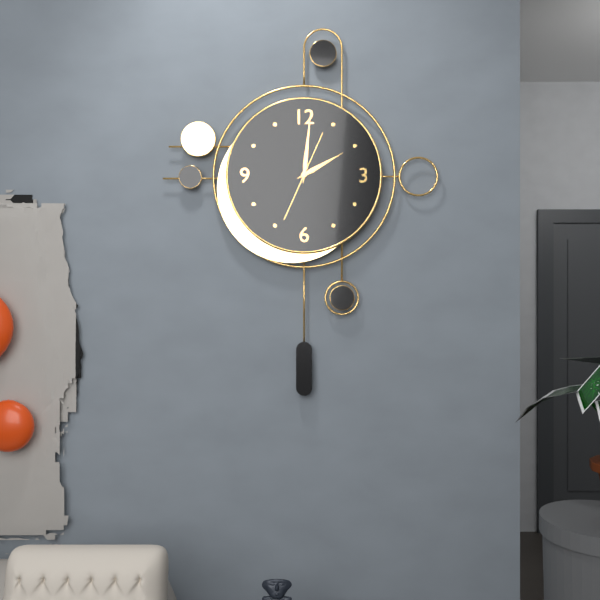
2:01:34
